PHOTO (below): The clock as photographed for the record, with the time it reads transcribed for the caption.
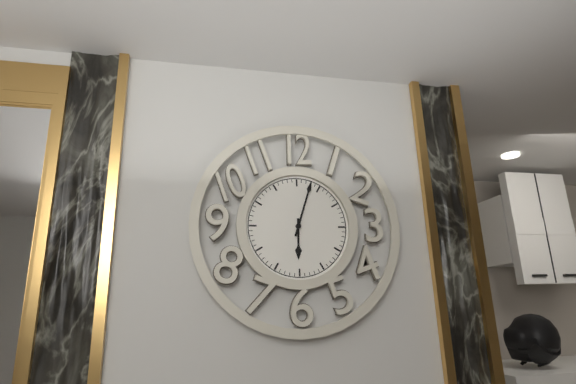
6:03
